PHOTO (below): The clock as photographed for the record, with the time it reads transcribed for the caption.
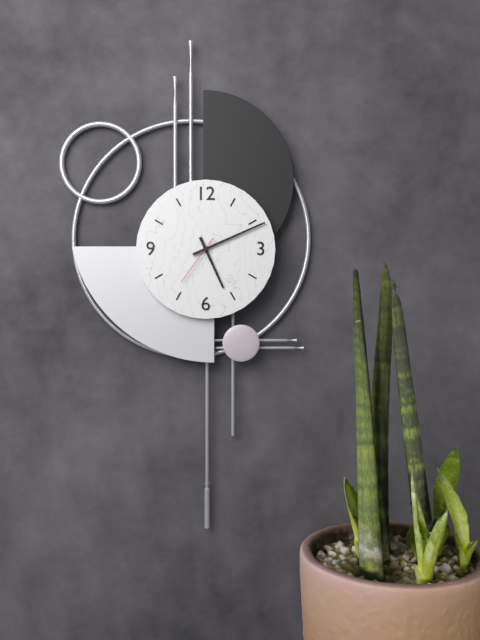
5:11:36
